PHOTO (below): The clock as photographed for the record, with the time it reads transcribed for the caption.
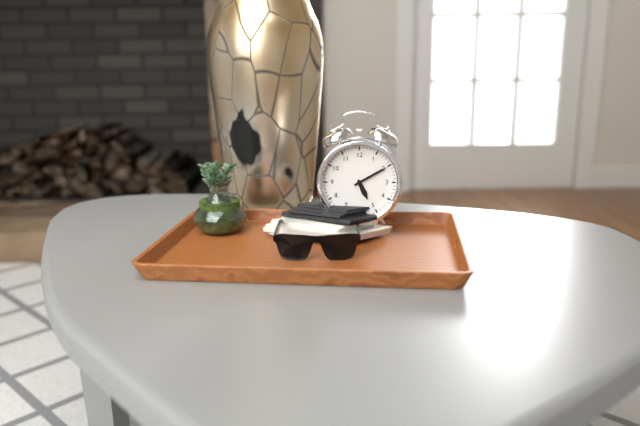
5:10
